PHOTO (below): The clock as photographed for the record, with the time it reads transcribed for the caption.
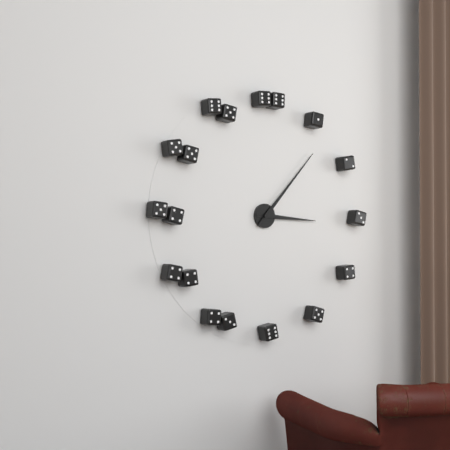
3:07
